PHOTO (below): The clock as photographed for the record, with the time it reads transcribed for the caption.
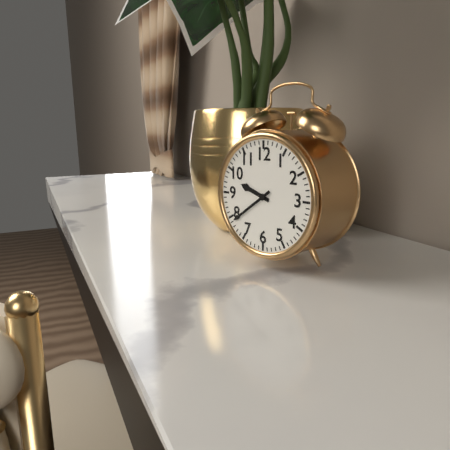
9:39
